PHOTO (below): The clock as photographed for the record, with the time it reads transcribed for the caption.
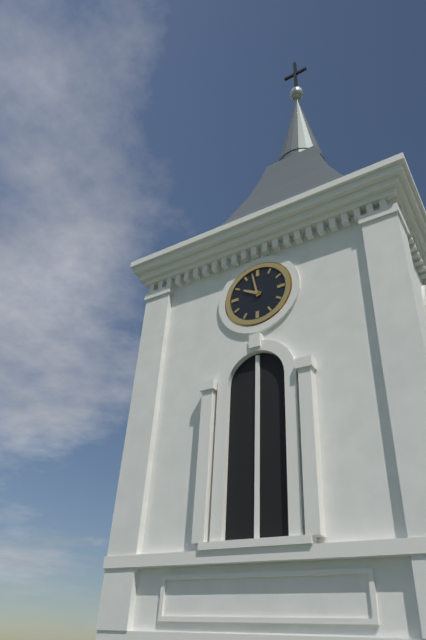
9:58
